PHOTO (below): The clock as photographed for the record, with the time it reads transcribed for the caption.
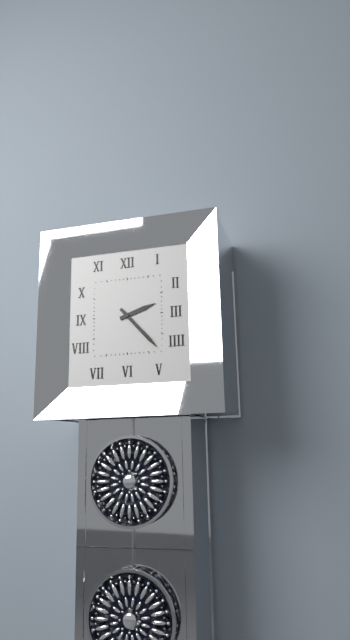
2:23
